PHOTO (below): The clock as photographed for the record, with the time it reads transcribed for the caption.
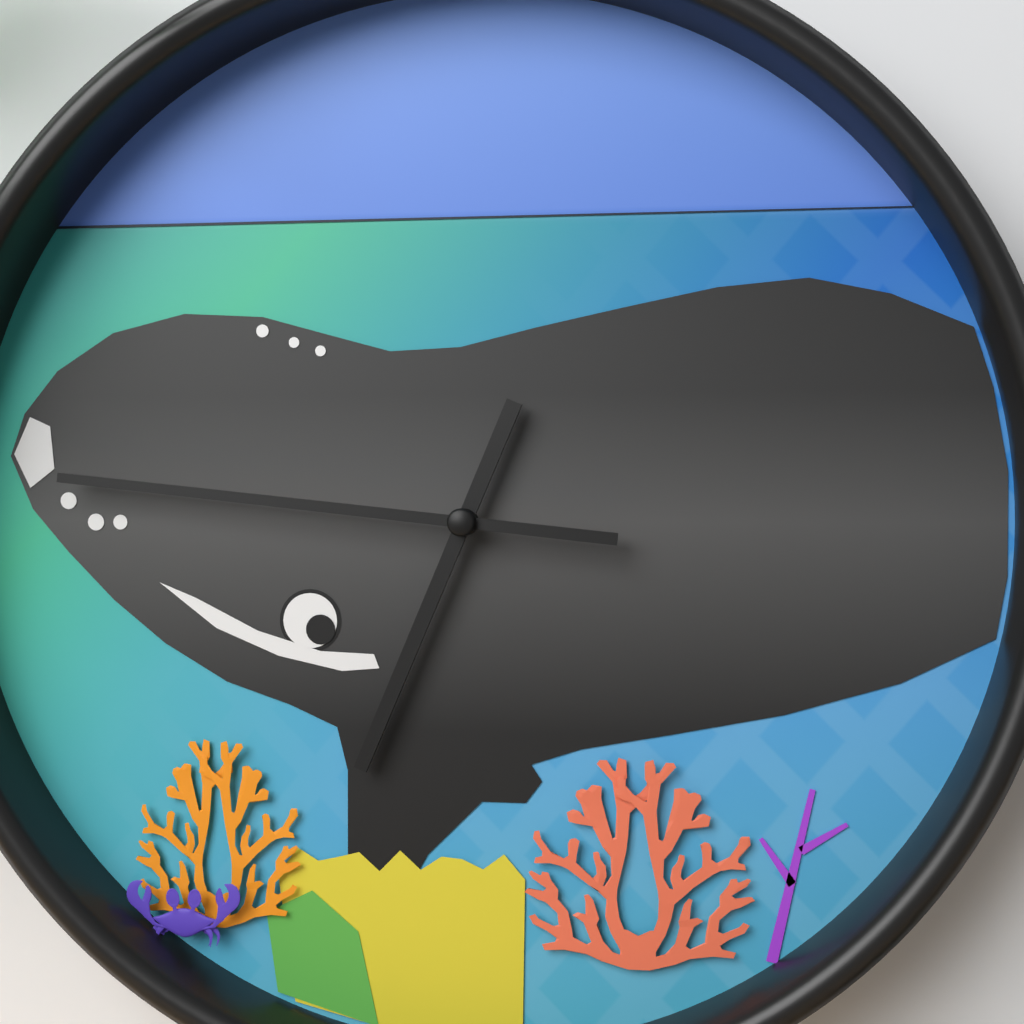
6:46
